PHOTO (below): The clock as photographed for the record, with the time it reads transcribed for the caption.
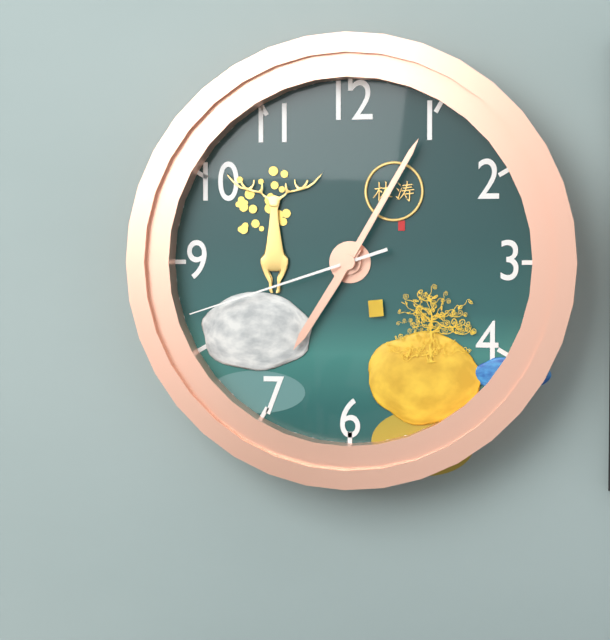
7:05:42
